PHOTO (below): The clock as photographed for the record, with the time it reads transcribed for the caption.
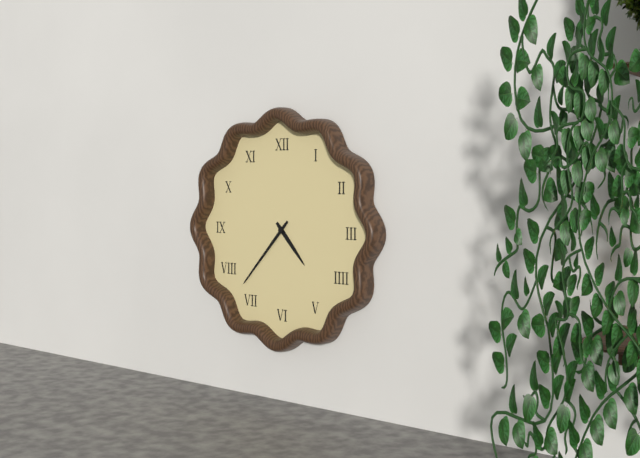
4:37
